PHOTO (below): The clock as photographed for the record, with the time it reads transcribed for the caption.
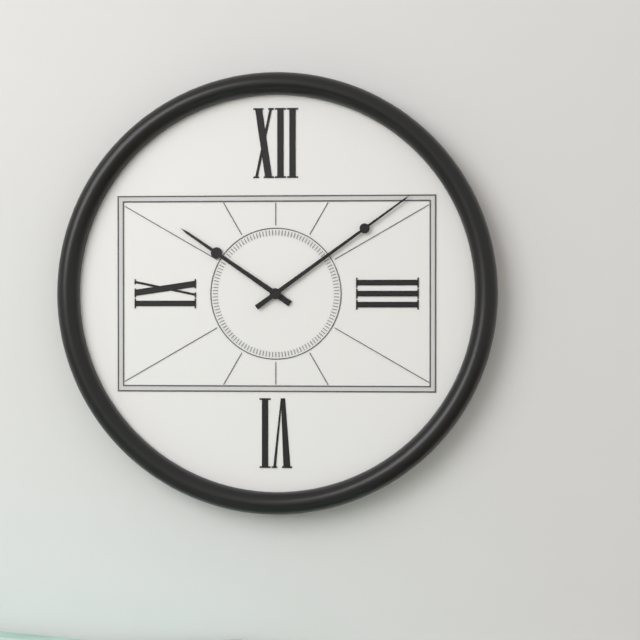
10:09
